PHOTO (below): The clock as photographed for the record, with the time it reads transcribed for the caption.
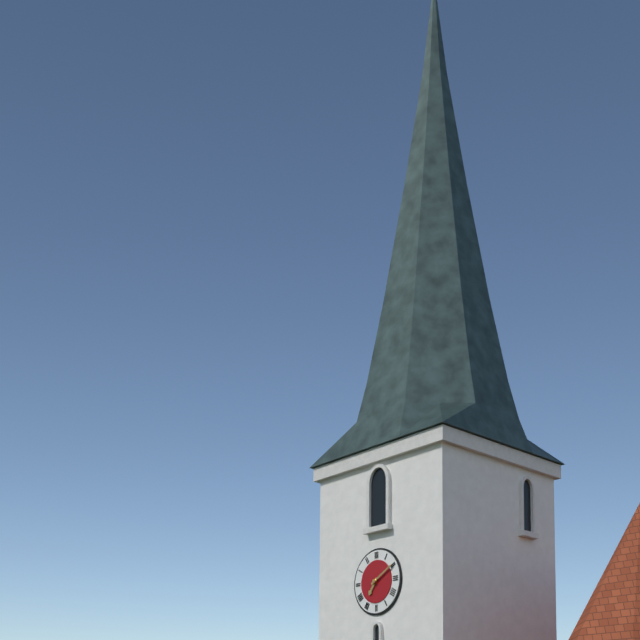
7:10
